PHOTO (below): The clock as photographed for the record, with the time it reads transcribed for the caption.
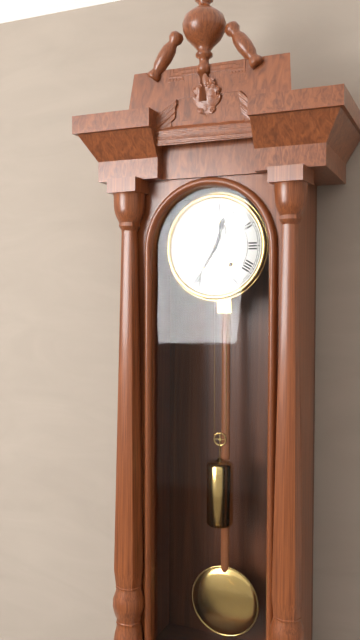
12:35
